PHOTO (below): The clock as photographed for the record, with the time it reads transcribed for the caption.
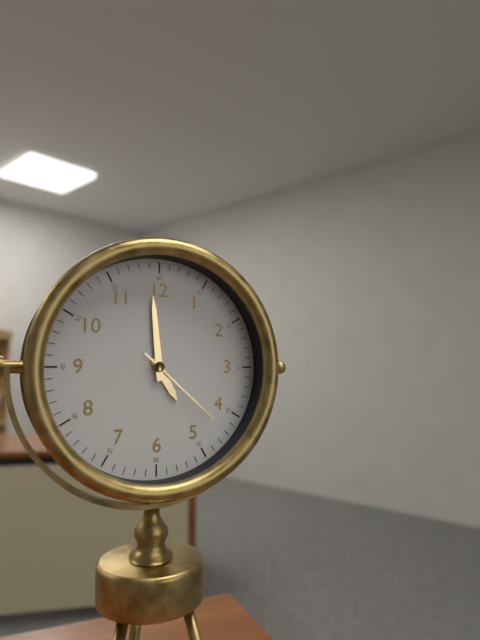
4:59:22
